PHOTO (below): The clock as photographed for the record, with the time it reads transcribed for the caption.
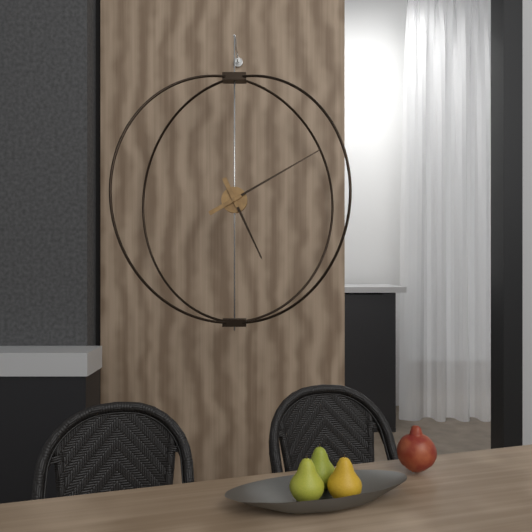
5:10
